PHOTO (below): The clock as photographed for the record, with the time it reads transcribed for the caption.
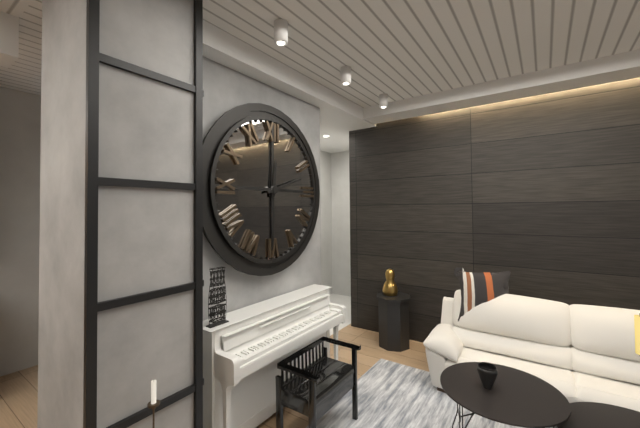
12:12
